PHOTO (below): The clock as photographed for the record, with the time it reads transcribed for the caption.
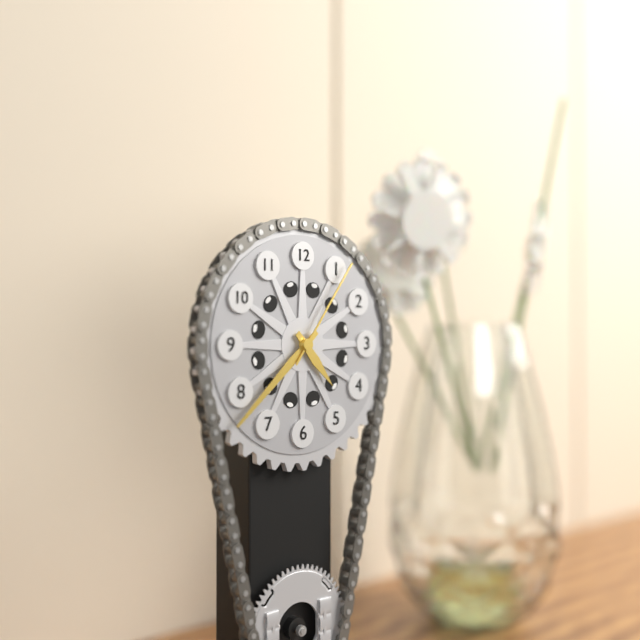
4:38:06
